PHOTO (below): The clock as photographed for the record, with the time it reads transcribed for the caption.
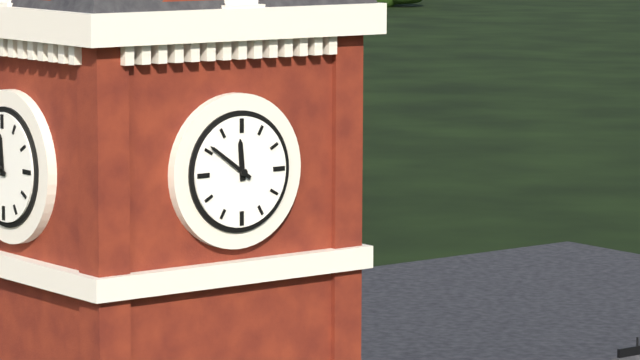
11:51
